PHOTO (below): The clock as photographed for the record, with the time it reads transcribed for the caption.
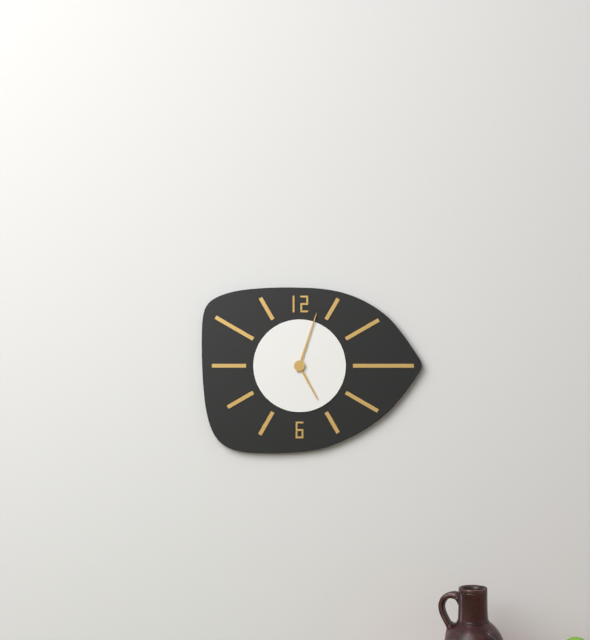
5:03
